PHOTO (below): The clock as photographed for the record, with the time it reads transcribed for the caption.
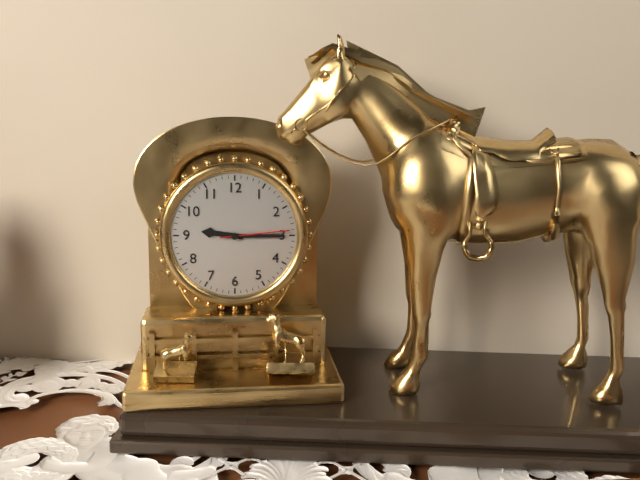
9:15:14
